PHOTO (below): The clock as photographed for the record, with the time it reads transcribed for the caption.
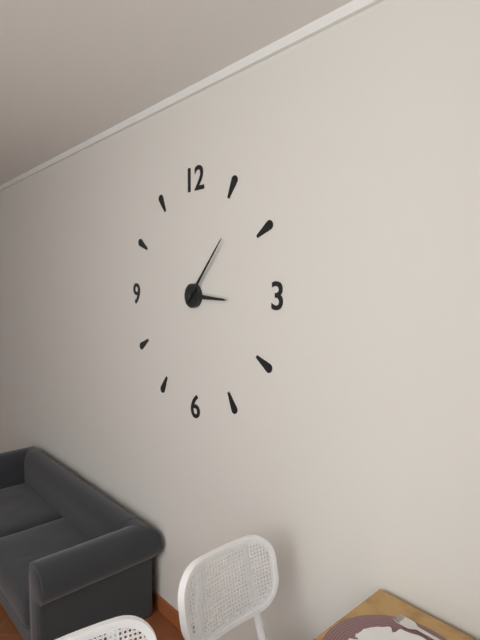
3:07
